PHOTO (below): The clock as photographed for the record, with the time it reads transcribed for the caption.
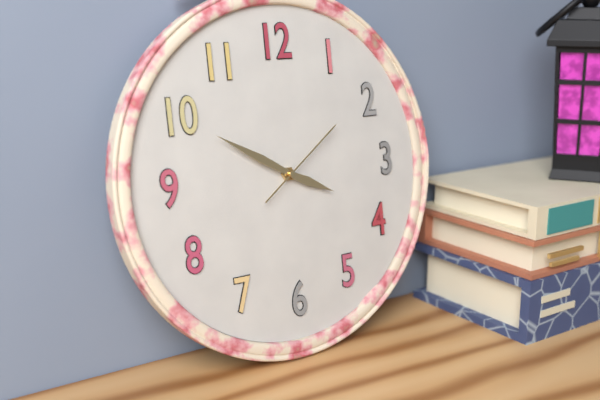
3:50:09
